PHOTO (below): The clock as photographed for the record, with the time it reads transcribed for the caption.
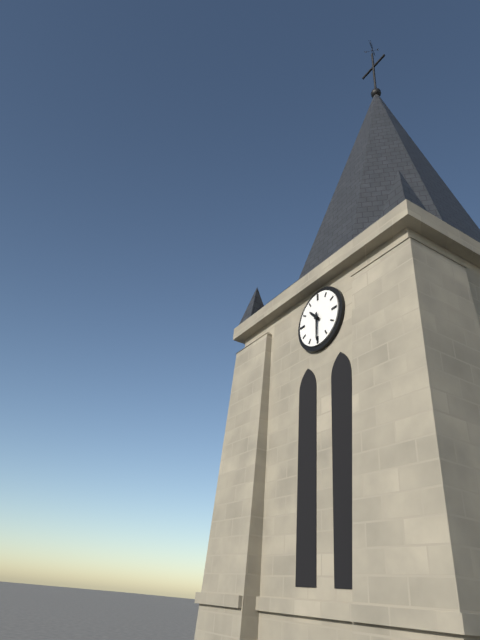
10:30
